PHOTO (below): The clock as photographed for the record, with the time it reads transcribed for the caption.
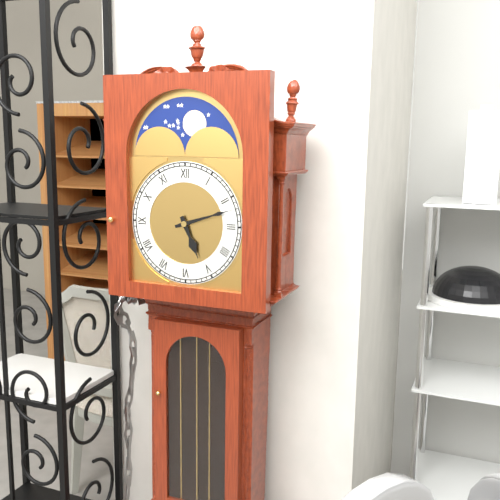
5:12
